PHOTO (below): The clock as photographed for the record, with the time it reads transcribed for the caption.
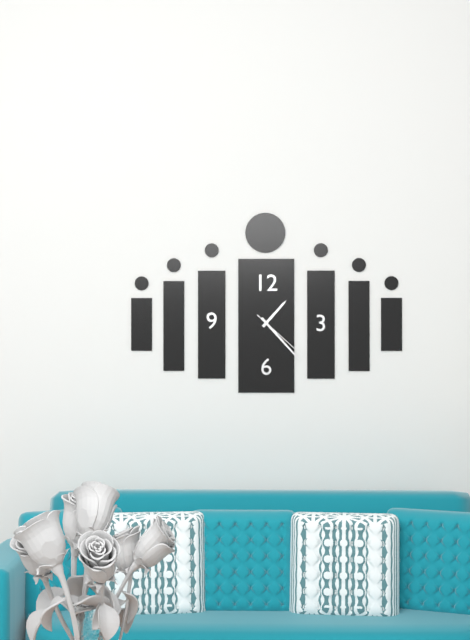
1:23:22
